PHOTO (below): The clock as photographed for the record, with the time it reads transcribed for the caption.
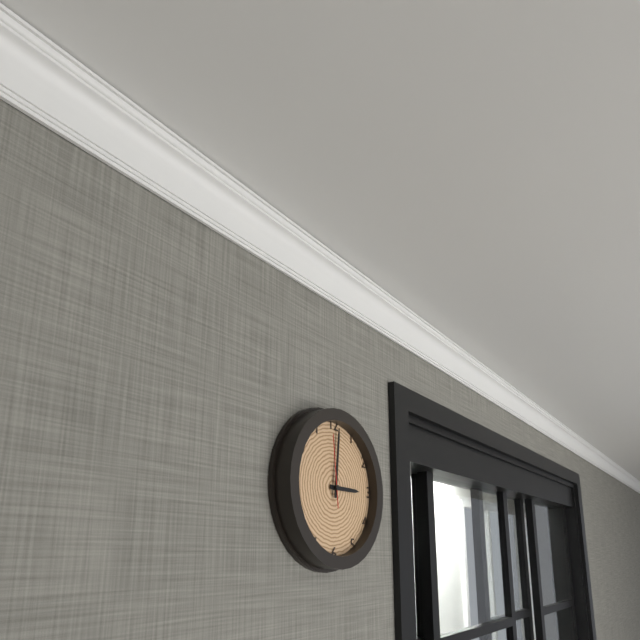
3:01:59
